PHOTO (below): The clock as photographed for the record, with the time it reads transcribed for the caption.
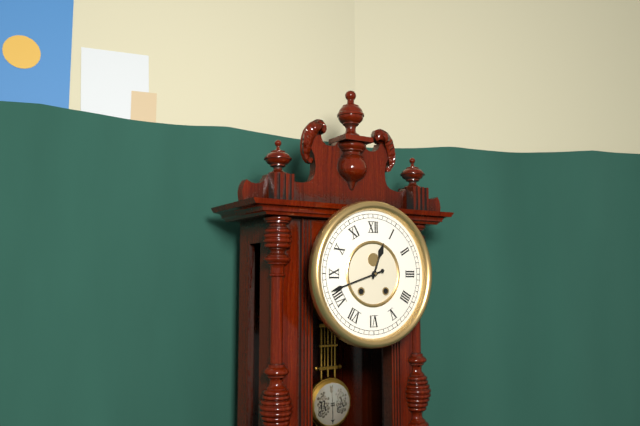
12:42
